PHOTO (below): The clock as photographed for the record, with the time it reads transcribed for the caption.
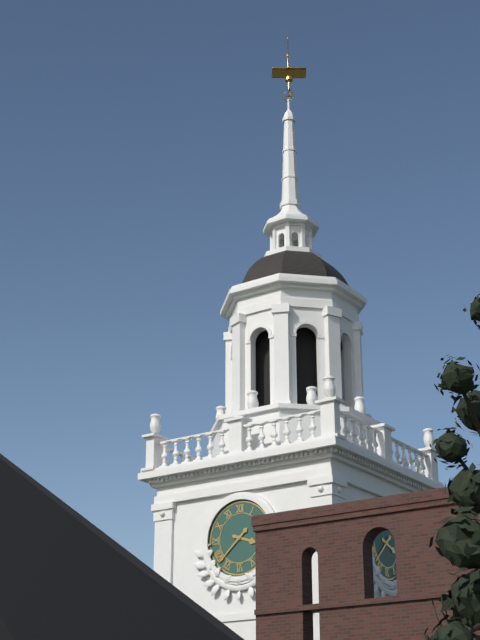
3:38
